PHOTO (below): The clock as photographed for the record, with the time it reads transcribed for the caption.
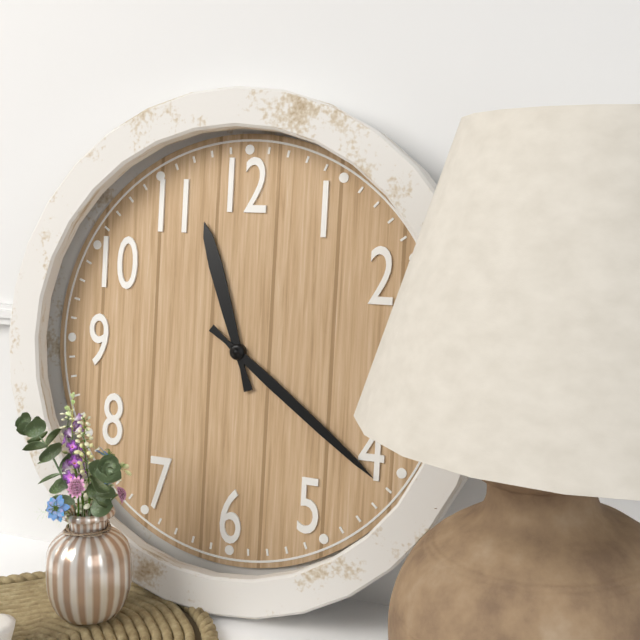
11:21
